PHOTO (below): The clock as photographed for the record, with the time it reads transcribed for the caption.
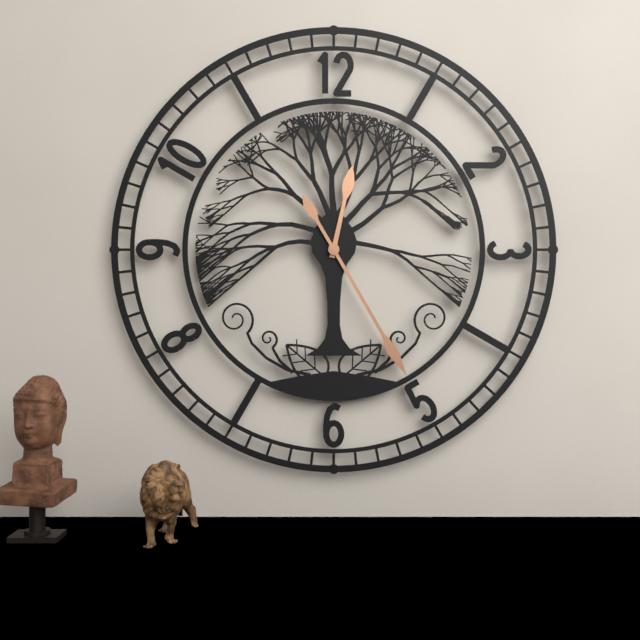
12:25
